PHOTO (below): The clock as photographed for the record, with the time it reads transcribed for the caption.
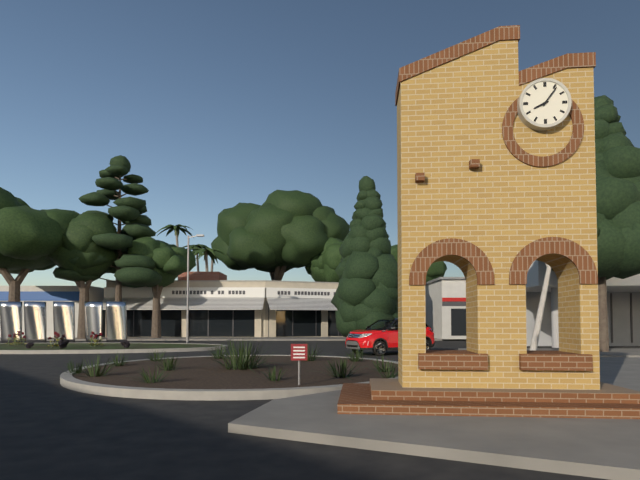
8:06
